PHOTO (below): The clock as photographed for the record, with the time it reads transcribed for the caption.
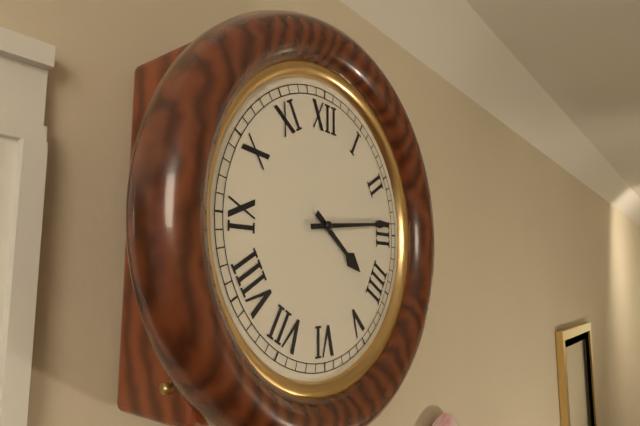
4:14
